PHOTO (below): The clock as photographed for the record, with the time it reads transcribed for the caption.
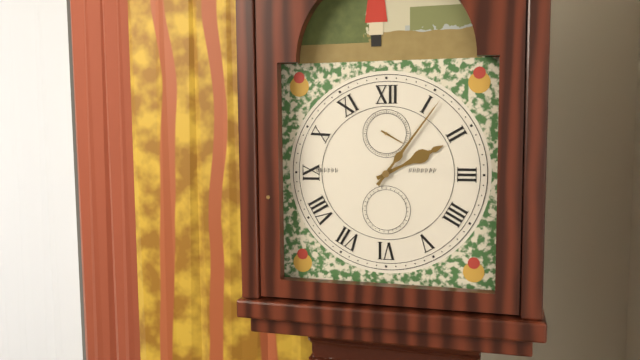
2:06
